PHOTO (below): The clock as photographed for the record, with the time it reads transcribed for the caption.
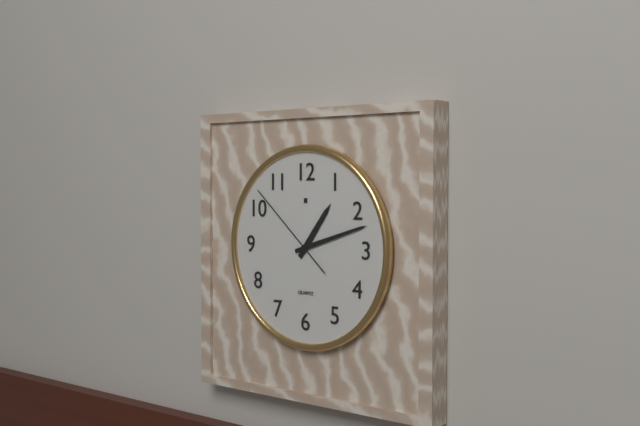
1:12:52
